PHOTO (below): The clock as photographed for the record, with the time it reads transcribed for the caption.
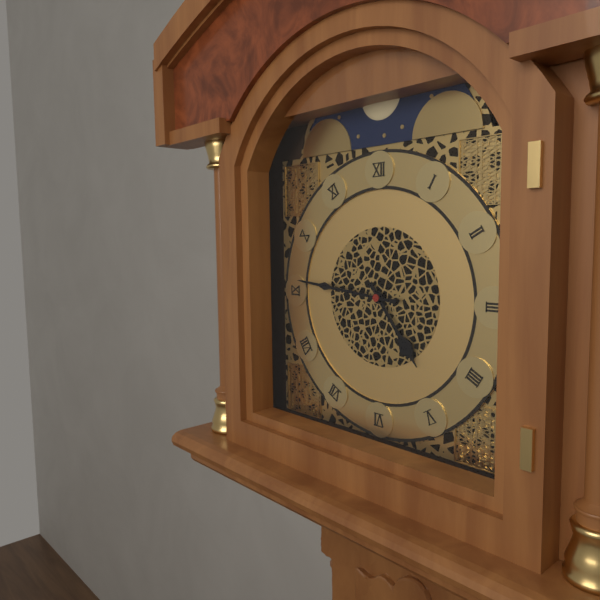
4:46
